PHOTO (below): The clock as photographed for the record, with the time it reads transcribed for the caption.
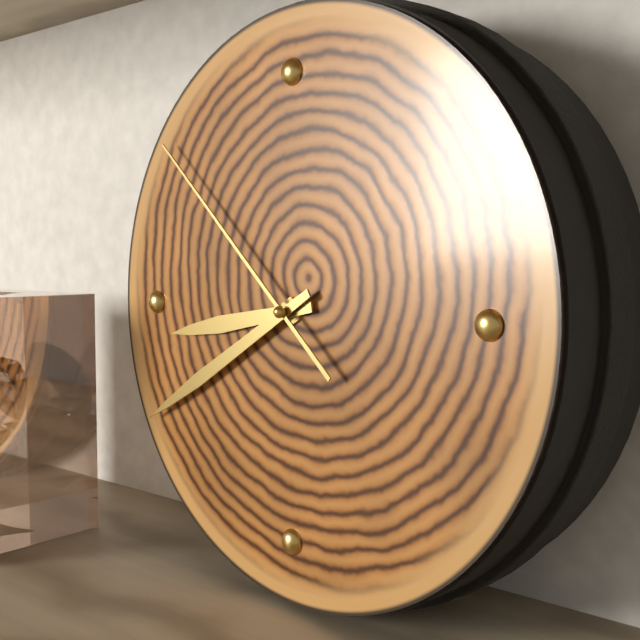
8:40:52
